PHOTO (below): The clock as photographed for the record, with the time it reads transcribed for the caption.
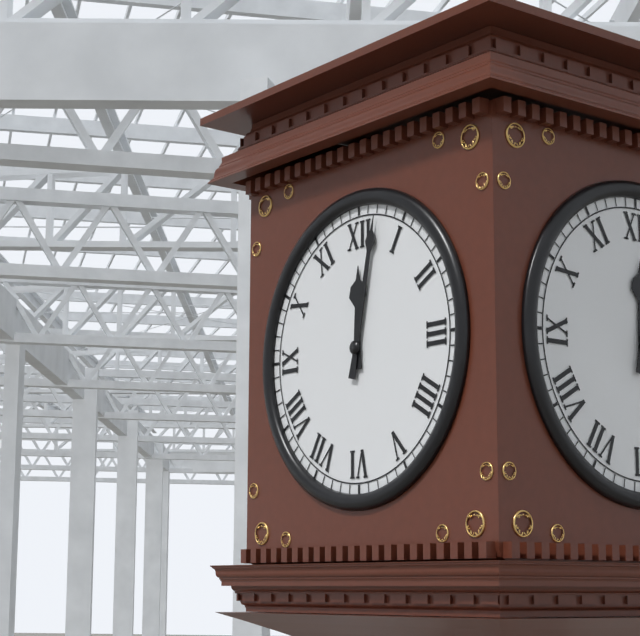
12:02
